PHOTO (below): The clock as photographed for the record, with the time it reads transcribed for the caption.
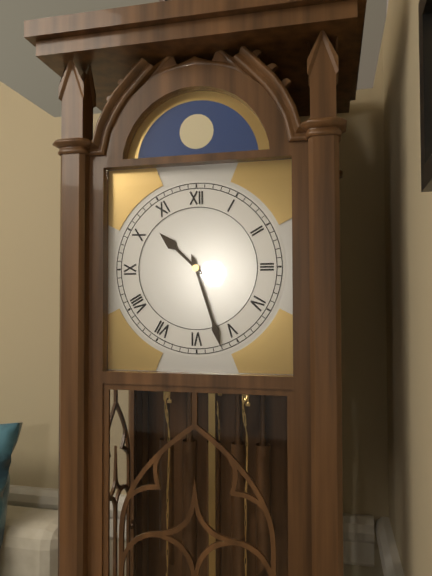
10:27
